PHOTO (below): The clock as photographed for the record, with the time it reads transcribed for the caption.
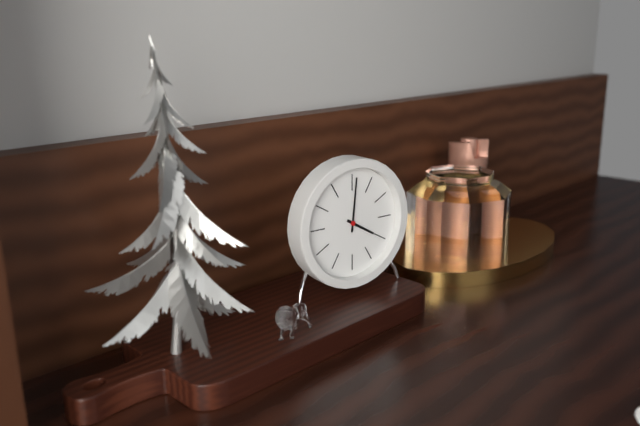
4:01
